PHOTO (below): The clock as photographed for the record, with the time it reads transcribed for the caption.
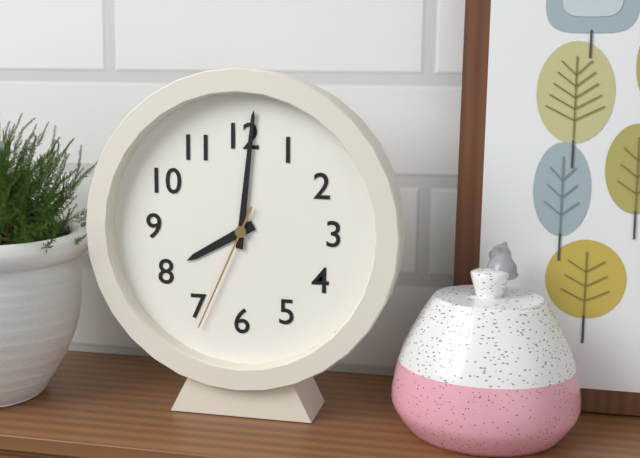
8:01:34
